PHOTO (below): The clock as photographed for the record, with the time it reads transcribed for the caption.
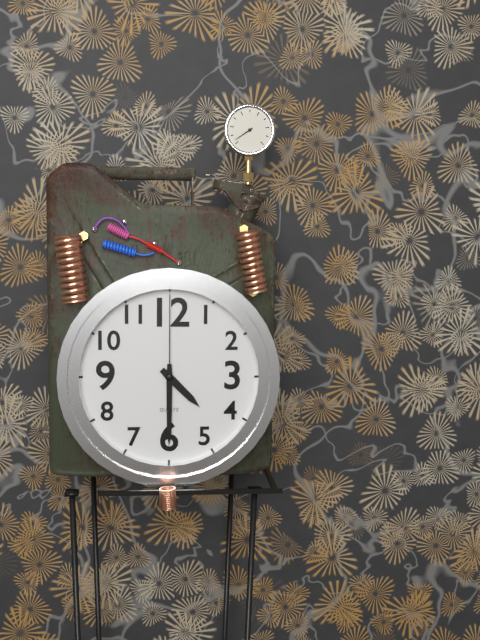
4:30:00
